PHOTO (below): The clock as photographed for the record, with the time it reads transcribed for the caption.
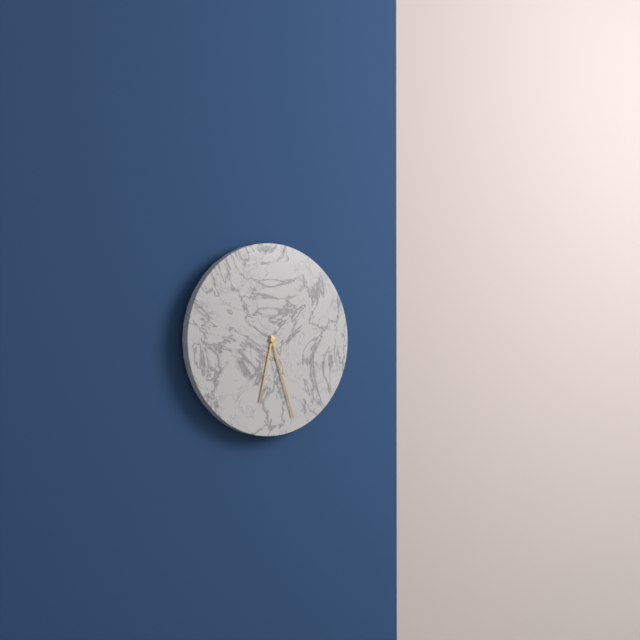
6:27
